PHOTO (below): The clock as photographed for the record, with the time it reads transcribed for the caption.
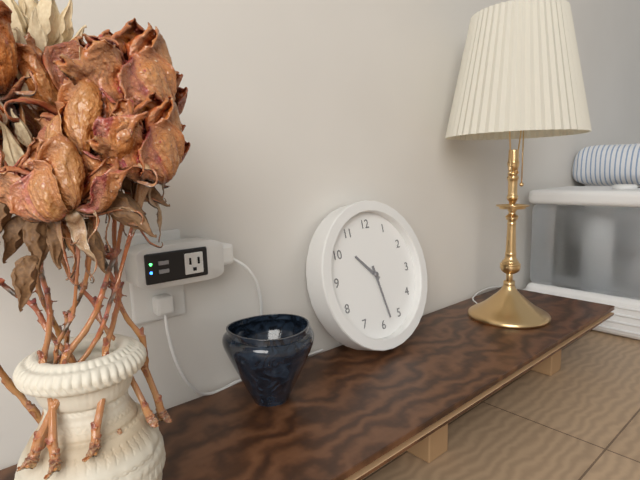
10:28
